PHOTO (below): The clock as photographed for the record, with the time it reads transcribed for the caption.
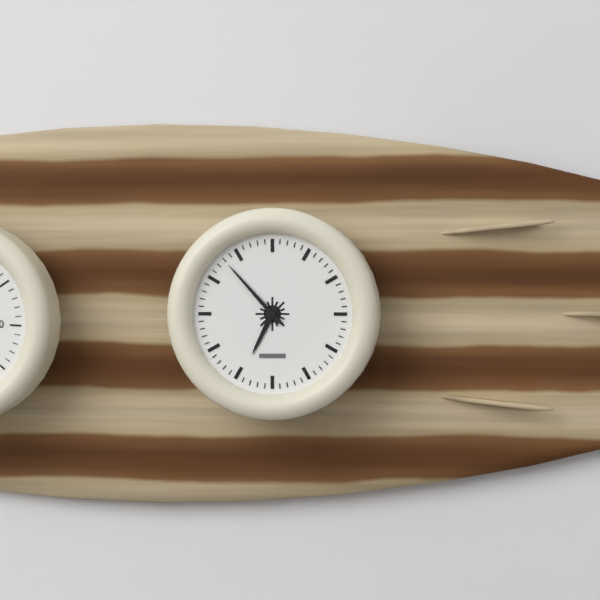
6:53
